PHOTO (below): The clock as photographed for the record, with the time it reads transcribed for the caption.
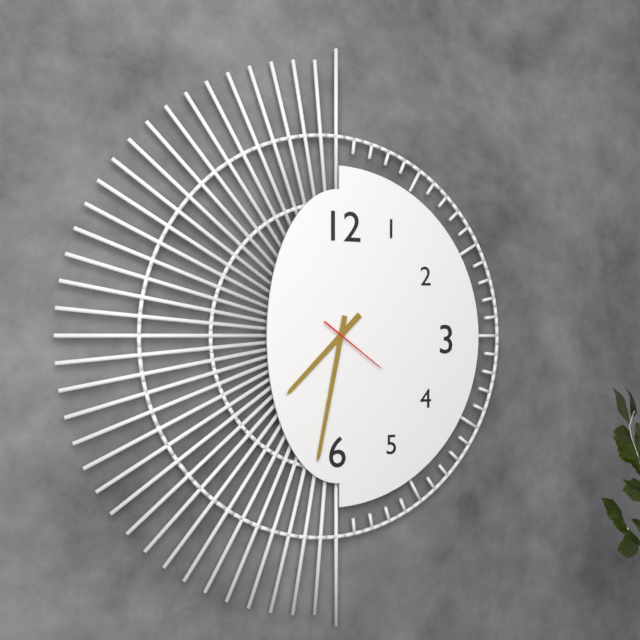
7:32:21
